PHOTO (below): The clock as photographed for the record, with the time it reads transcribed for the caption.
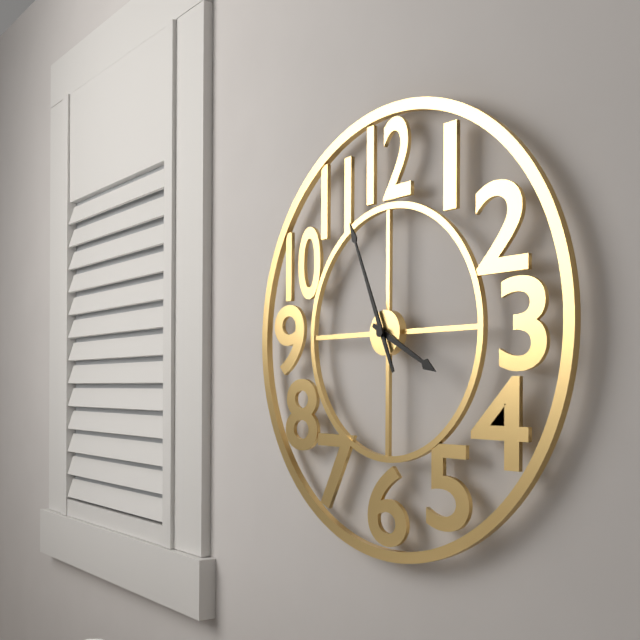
3:56
